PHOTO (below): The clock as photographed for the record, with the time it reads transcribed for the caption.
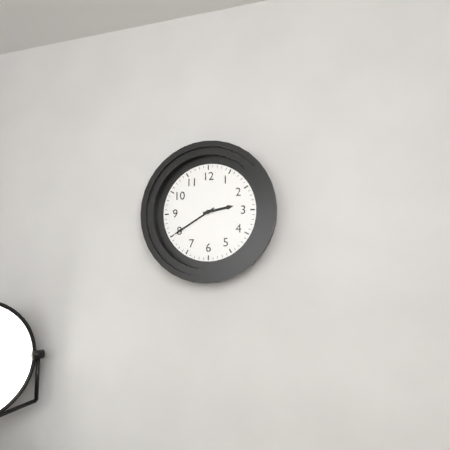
2:40
